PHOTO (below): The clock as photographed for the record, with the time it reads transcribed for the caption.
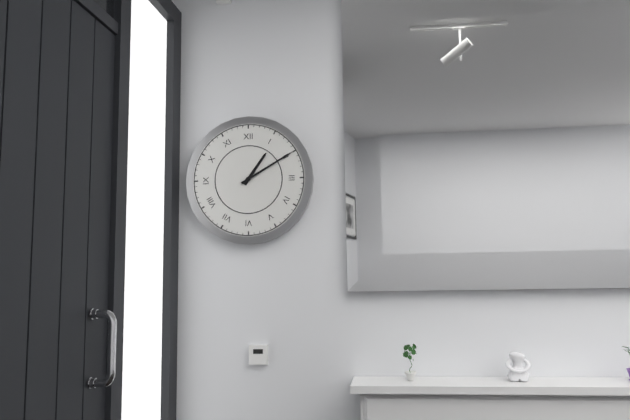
1:10
